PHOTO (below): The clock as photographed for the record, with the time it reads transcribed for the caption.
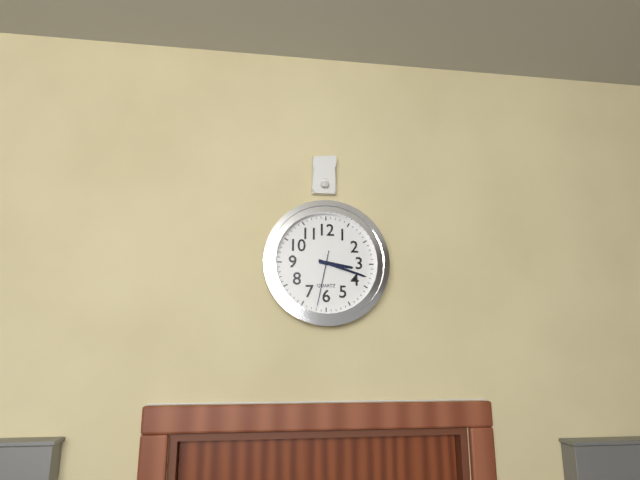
3:18:32
